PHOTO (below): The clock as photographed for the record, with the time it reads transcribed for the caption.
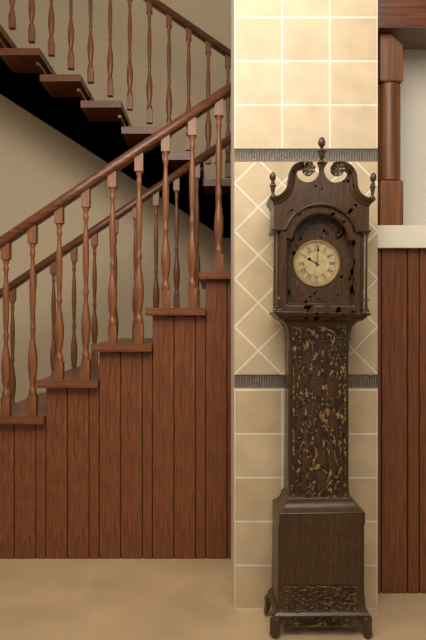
10:01
